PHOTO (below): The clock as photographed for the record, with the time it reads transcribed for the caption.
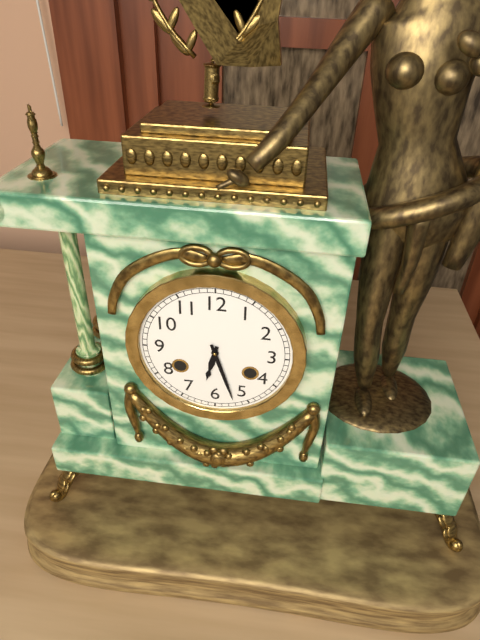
6:27
